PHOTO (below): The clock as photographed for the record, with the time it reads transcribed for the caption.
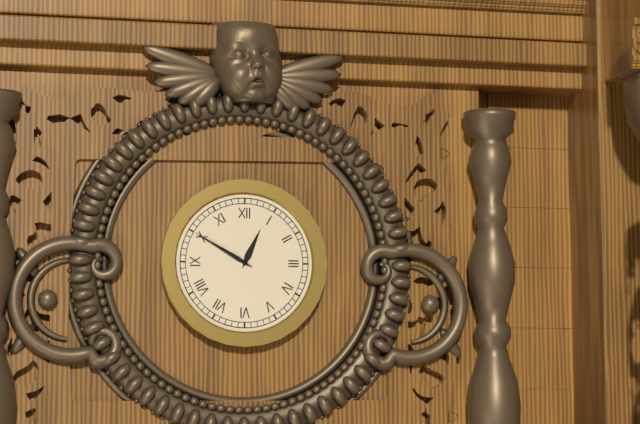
12:50
